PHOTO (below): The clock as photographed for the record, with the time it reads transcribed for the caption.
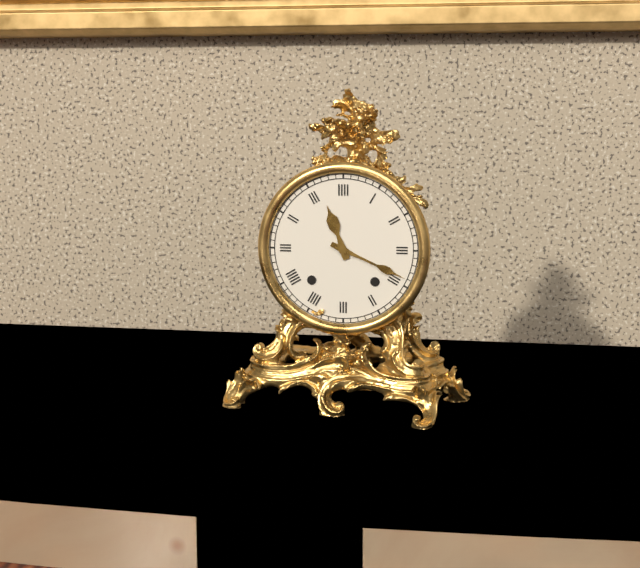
11:19
